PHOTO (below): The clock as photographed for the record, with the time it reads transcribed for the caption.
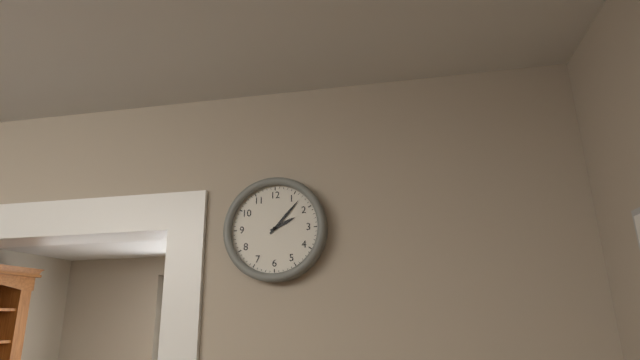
2:07
